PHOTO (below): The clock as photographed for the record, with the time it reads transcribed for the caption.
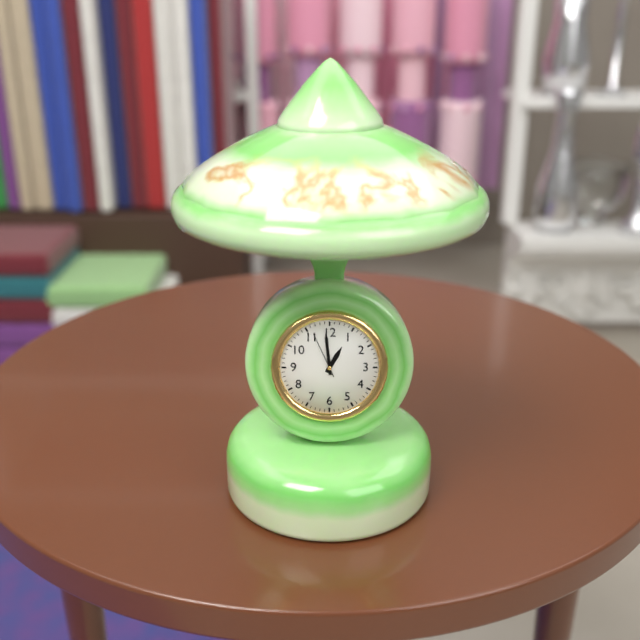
12:59
